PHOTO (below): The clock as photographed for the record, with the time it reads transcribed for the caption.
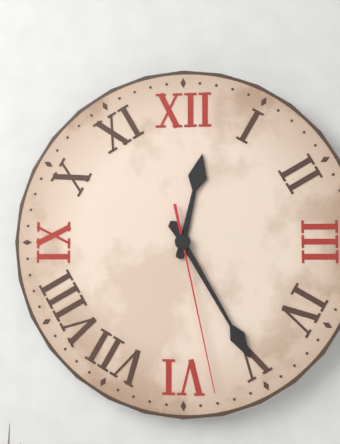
12:25:28
